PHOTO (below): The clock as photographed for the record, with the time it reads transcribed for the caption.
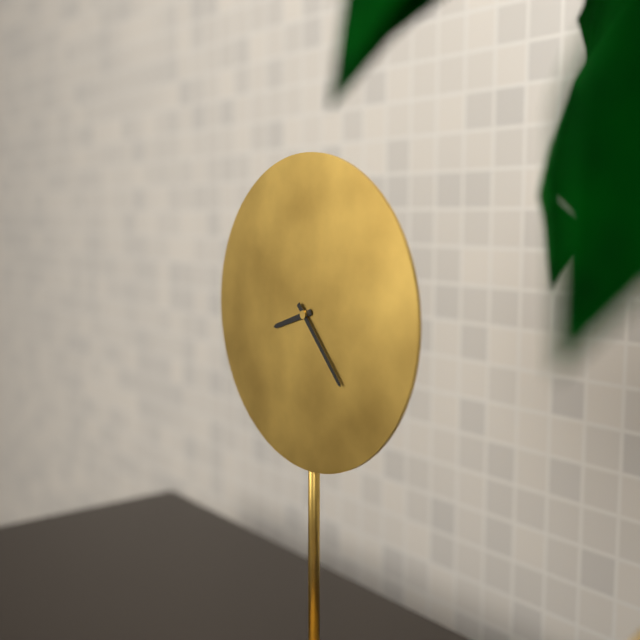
8:23
